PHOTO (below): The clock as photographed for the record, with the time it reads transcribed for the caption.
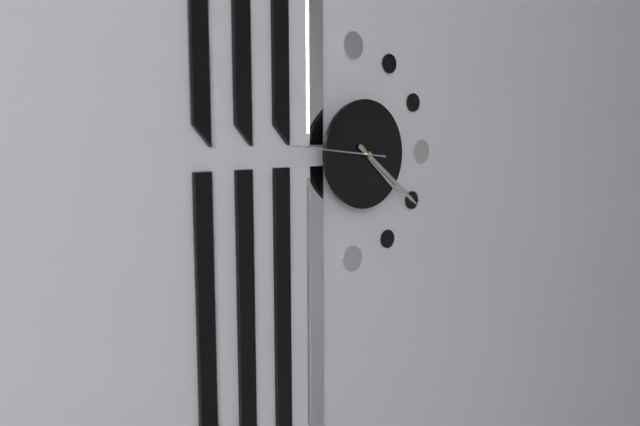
4:21:46
